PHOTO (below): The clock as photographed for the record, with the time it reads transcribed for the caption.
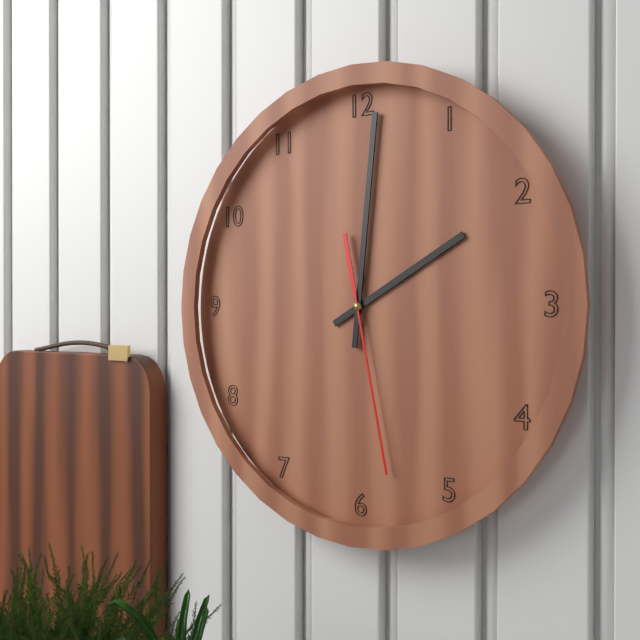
2:01:28
